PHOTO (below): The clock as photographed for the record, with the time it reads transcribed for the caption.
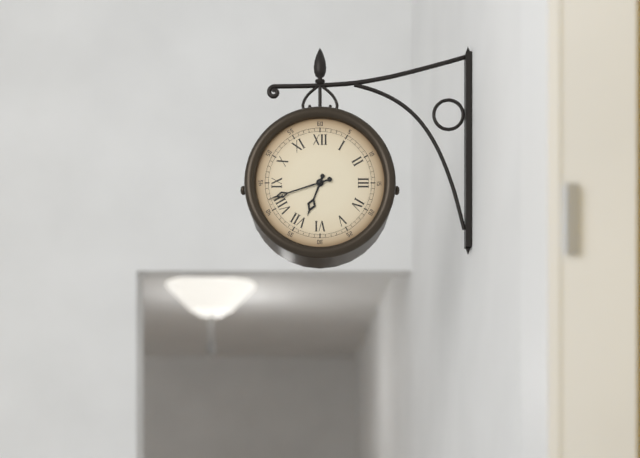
6:42
